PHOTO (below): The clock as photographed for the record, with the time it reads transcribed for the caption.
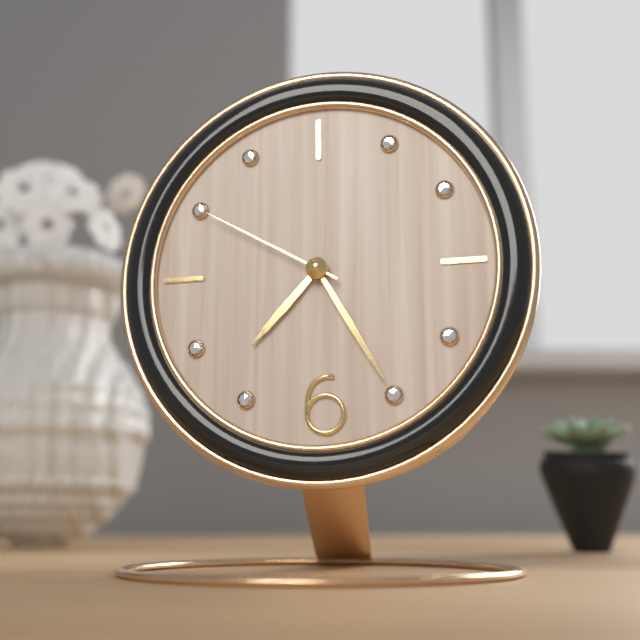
7:25:50
